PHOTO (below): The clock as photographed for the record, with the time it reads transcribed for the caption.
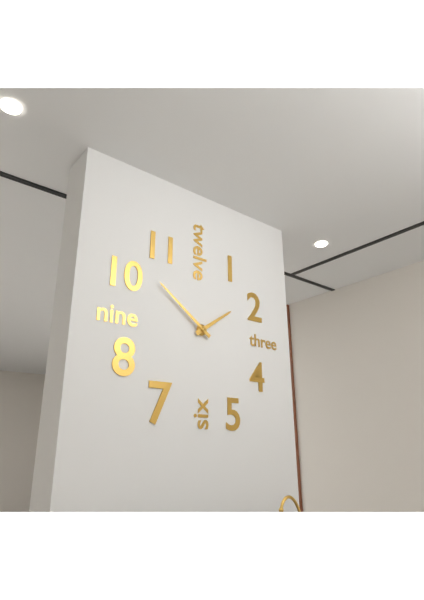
1:51
